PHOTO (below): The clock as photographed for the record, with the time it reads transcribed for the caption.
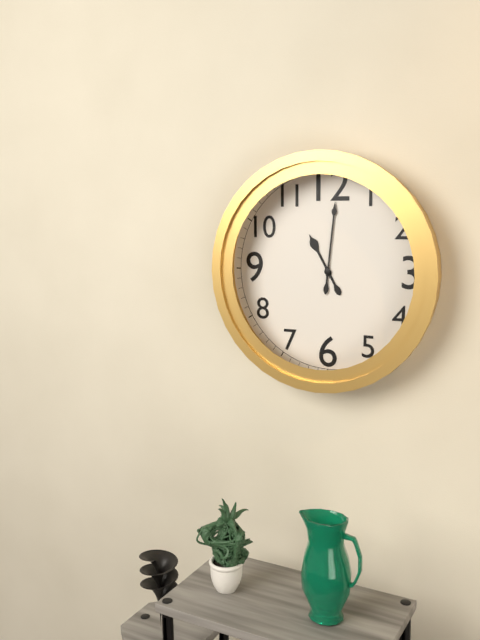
11:01
